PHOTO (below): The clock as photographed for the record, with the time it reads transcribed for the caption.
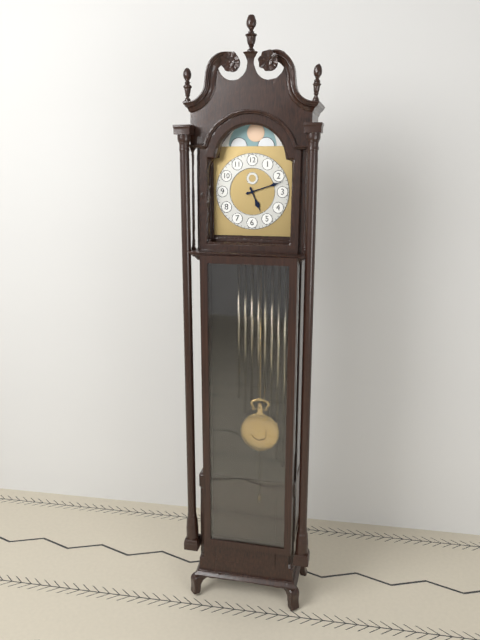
5:12
